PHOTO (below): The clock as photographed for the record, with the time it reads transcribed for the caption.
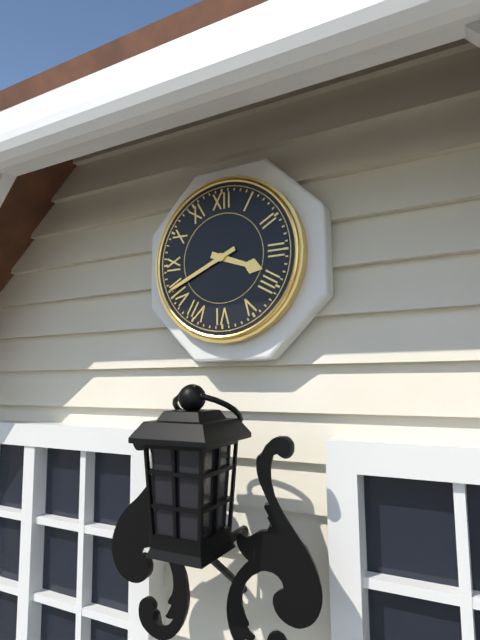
3:41
